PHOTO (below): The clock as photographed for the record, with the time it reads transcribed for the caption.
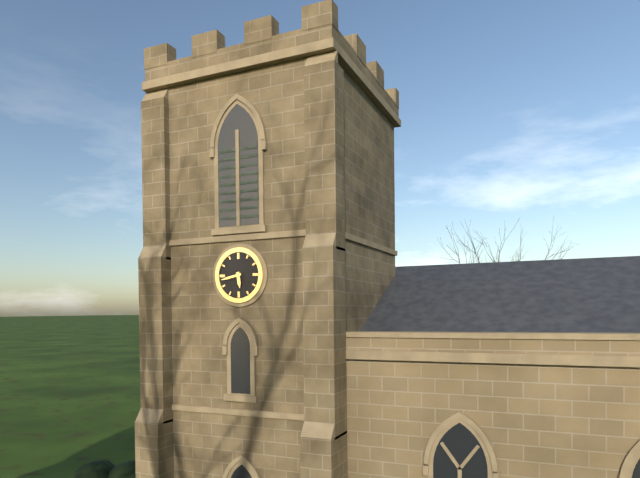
5:43
